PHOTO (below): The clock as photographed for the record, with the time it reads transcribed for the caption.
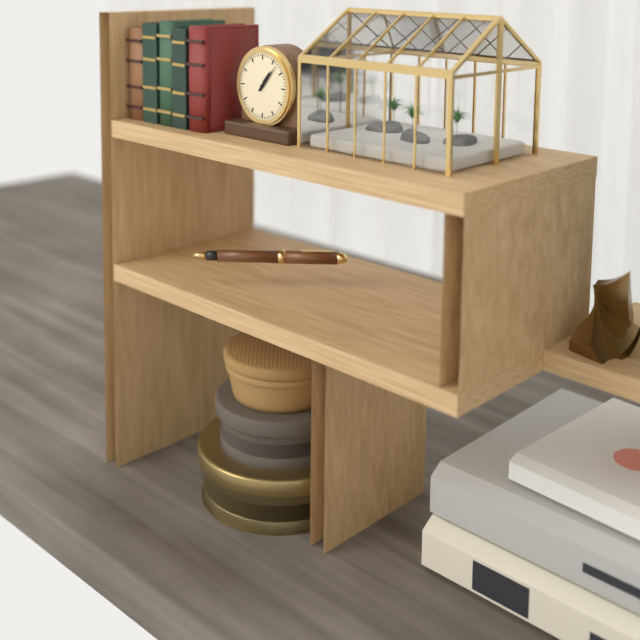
1:07
